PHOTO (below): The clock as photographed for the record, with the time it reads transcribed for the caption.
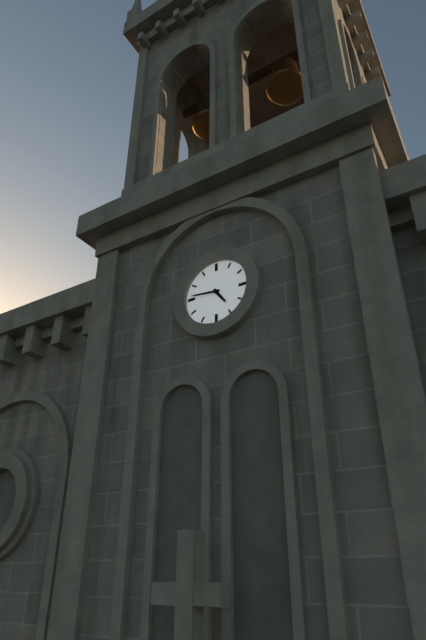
4:46
